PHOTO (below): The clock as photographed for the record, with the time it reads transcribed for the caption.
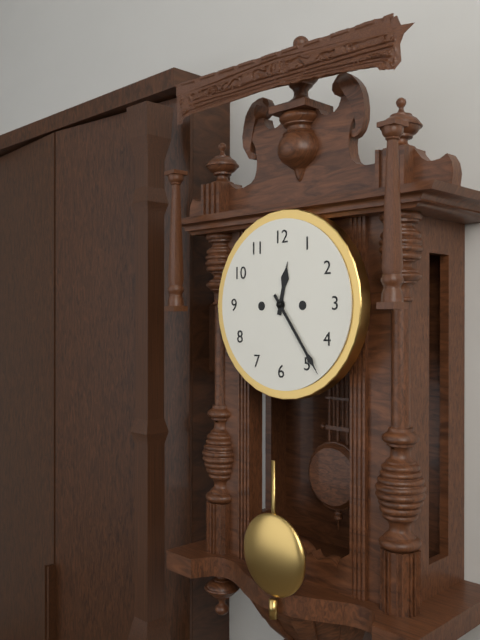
12:24
